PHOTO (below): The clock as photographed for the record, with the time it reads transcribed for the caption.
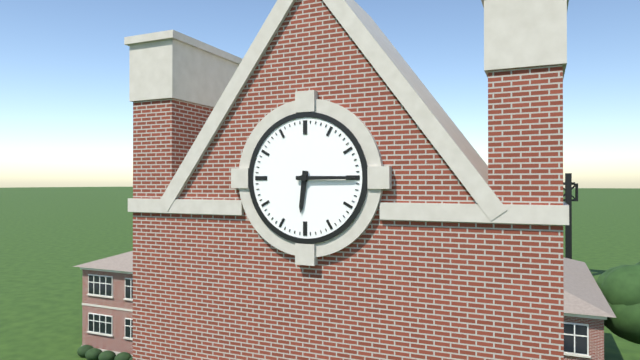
6:15
